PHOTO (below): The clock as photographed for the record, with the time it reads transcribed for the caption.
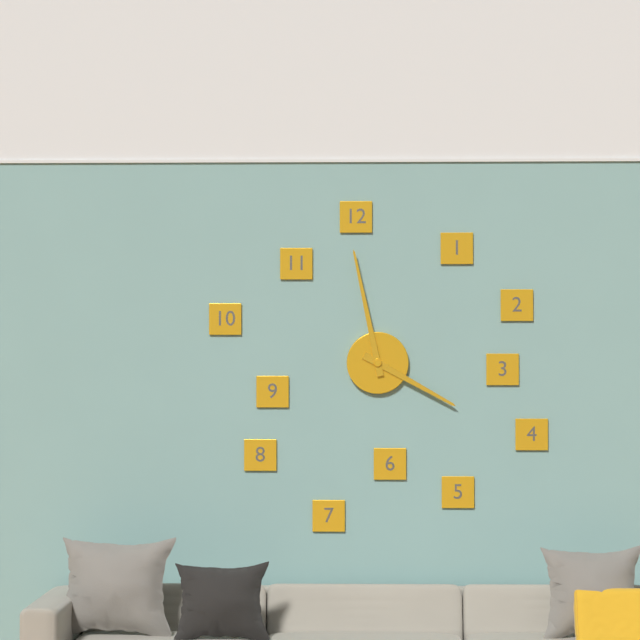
3:58
